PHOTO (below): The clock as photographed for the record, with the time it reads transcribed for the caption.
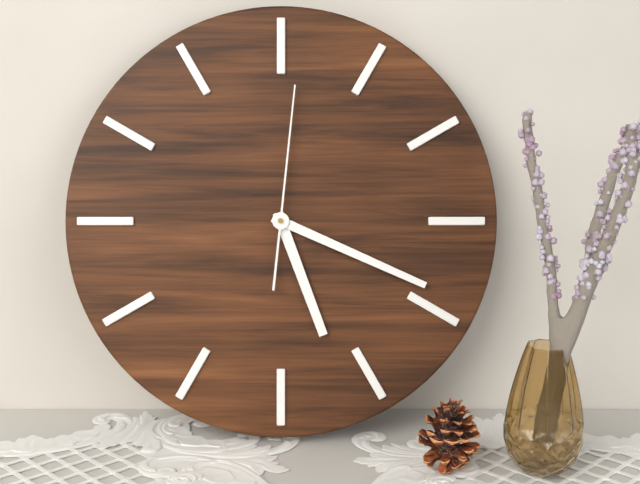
5:19:01
